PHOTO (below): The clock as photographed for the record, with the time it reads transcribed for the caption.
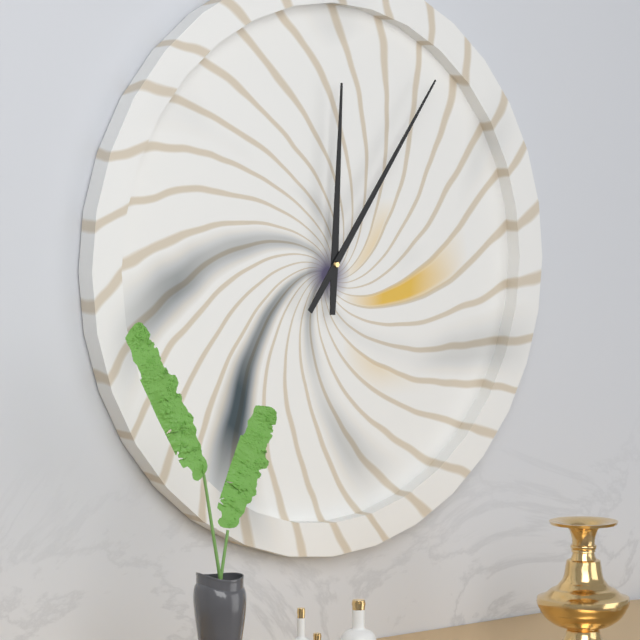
12:06
